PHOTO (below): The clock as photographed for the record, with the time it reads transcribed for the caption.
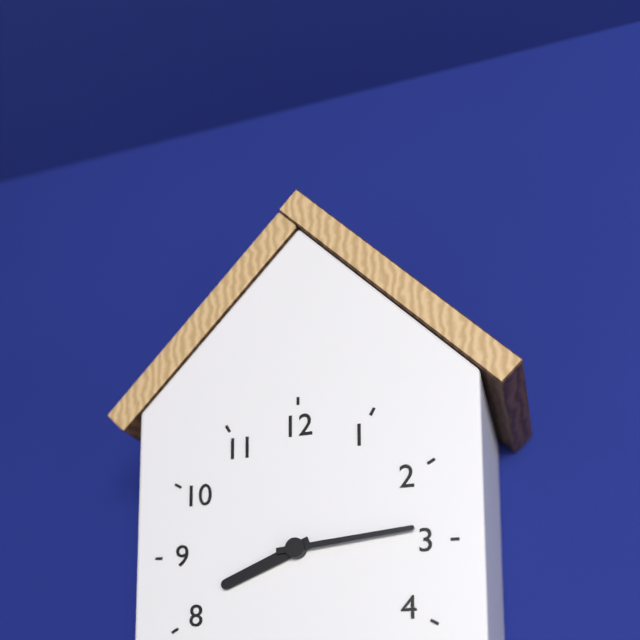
8:14
